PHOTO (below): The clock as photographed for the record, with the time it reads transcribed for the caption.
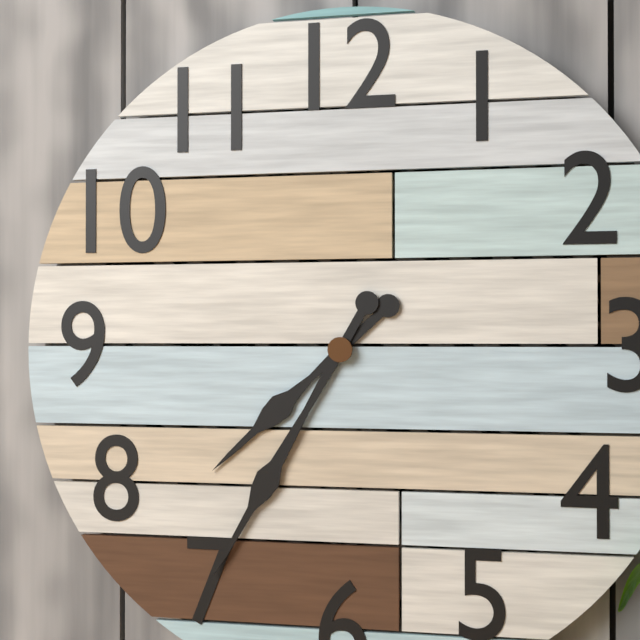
7:35
